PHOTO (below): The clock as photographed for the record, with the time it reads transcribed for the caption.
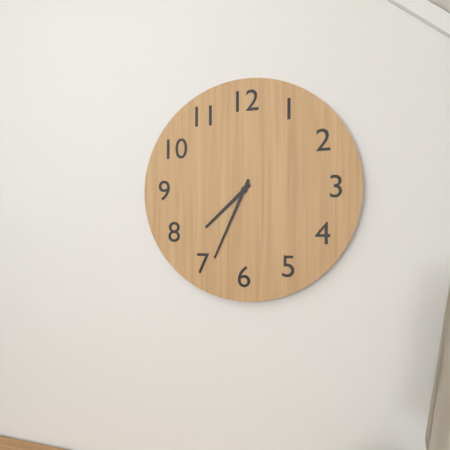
7:34
